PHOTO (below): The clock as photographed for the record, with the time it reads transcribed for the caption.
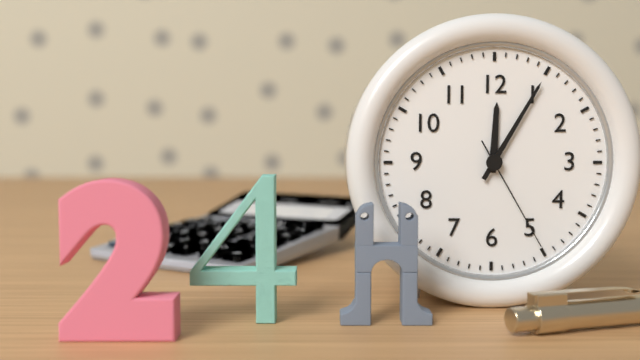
12:05:25
